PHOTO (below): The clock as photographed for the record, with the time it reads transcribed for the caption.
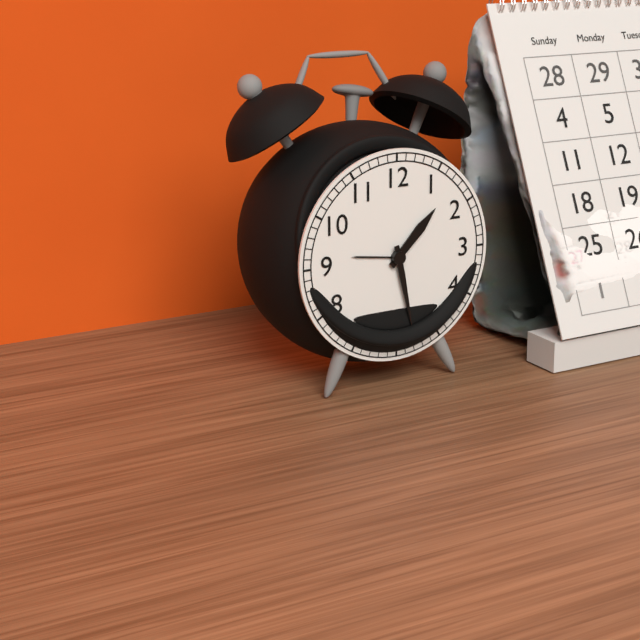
1:28
